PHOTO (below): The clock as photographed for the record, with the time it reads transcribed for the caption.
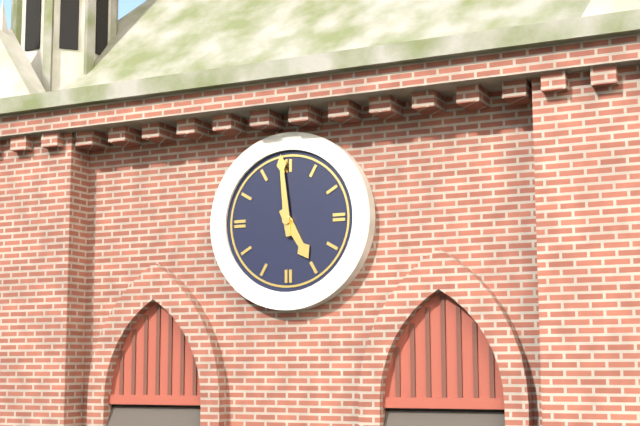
4:59
